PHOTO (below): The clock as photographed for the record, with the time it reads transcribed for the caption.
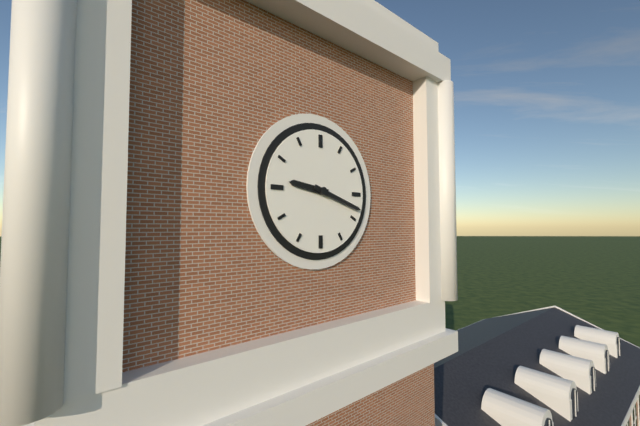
9:18
